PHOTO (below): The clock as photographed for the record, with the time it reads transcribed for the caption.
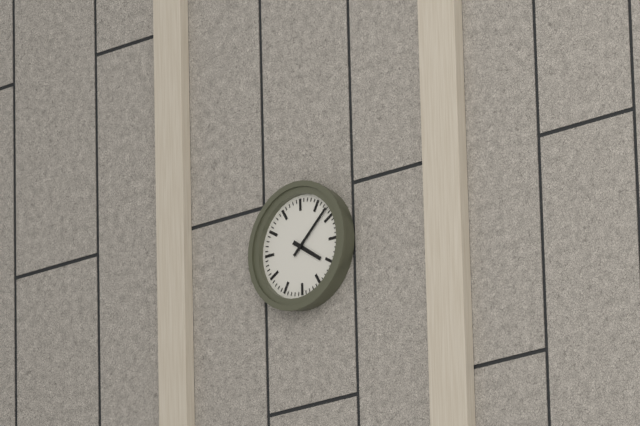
4:08
